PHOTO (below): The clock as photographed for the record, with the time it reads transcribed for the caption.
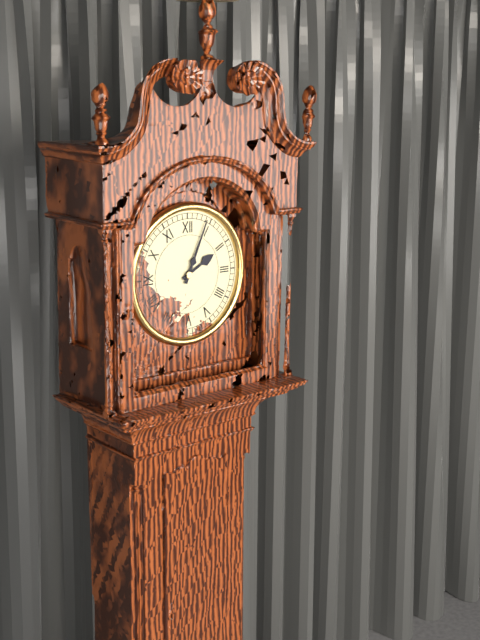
2:04
